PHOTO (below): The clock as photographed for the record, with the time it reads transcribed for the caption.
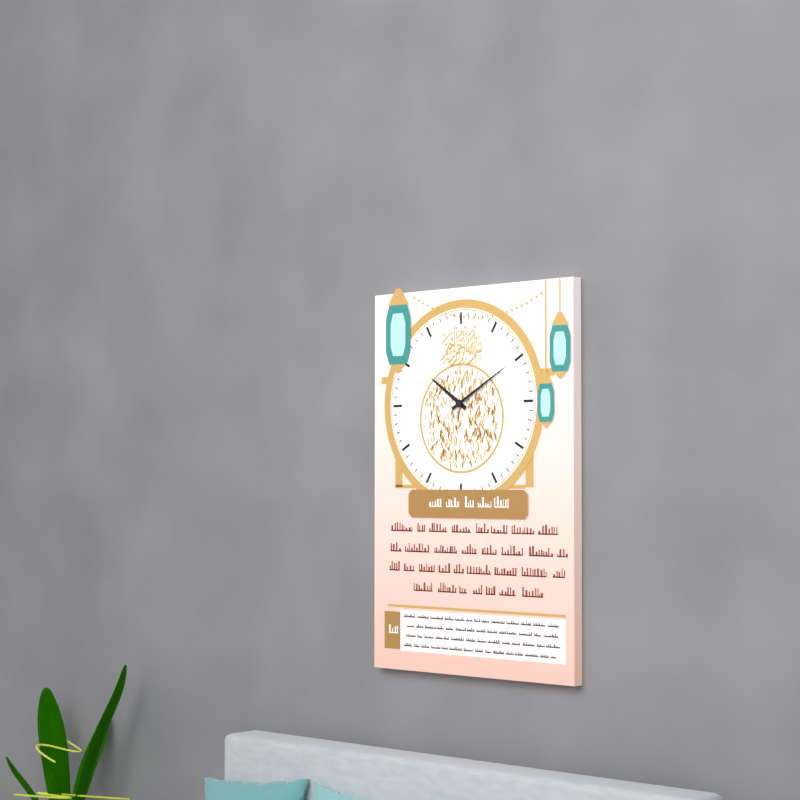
10:10
